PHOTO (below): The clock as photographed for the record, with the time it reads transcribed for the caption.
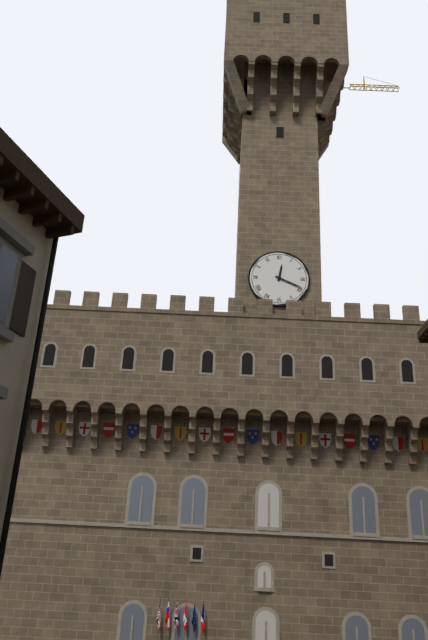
12:19
